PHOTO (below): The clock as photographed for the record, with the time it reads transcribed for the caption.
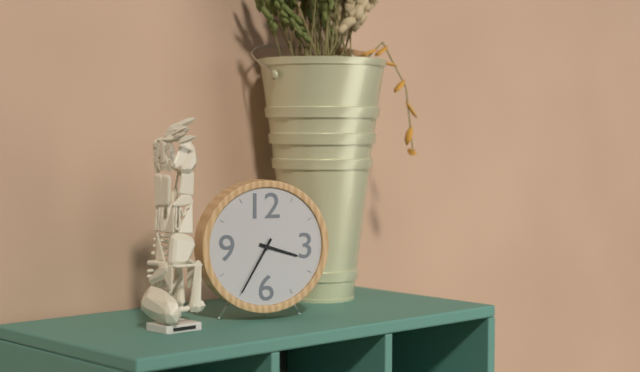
3:35
